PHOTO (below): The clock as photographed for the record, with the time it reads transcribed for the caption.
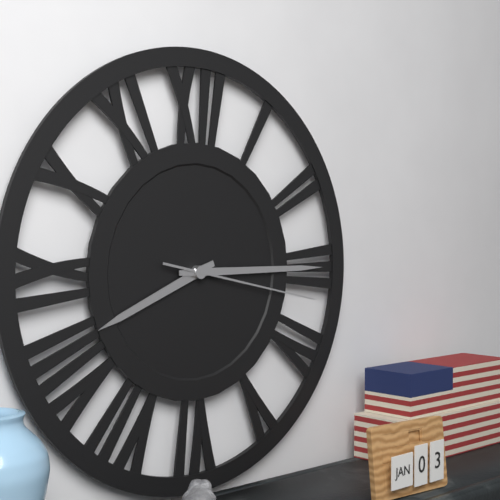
8:15:17
